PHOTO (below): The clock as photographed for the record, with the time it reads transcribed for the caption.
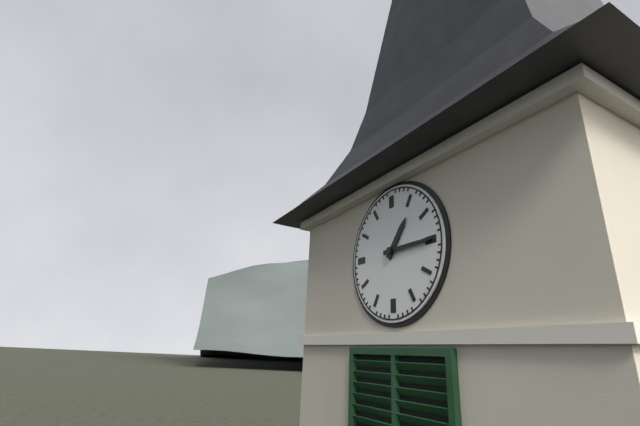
1:15
